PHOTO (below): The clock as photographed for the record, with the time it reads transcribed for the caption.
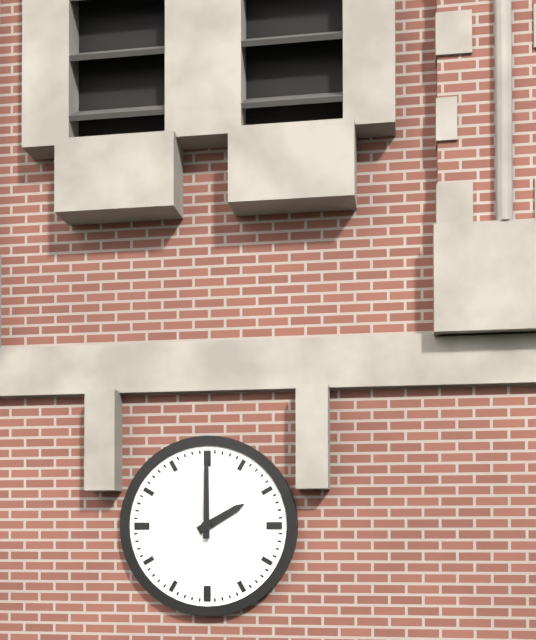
2:00
